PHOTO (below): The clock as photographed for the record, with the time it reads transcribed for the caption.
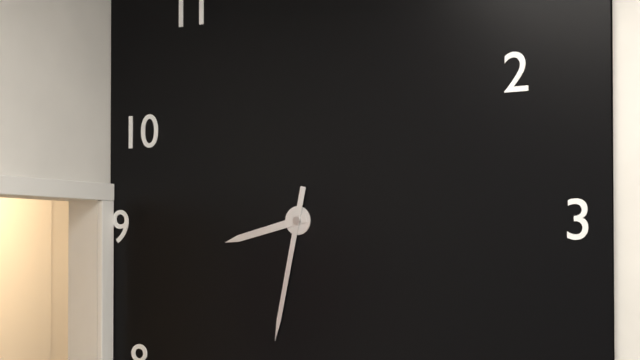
8:32
